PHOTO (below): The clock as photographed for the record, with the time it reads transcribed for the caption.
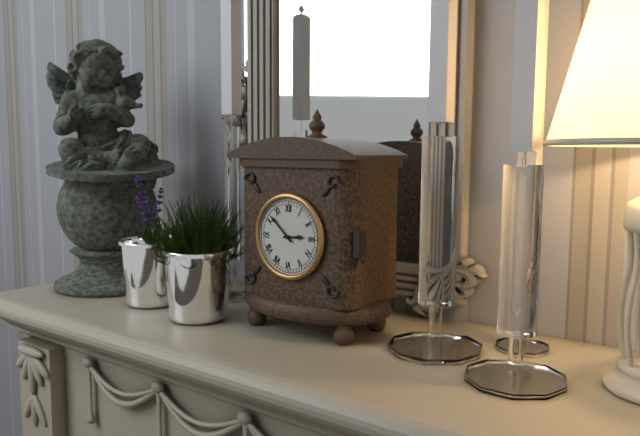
2:52
